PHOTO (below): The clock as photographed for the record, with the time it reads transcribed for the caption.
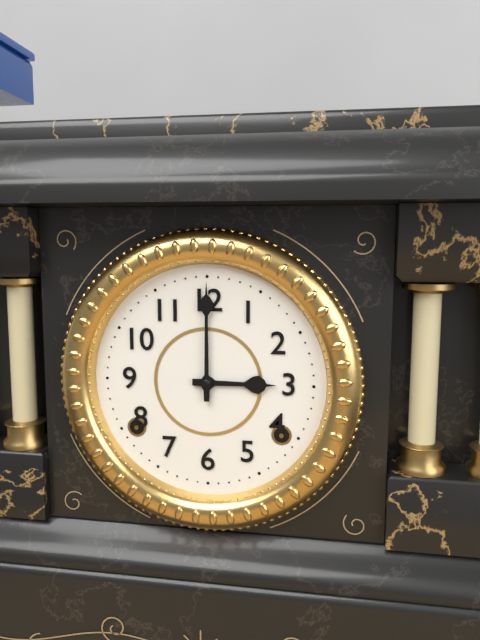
3:00
